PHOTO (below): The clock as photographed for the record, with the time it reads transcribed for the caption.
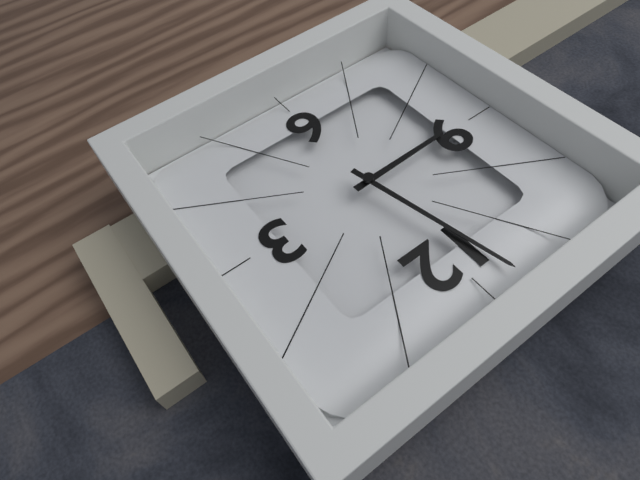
8:58
